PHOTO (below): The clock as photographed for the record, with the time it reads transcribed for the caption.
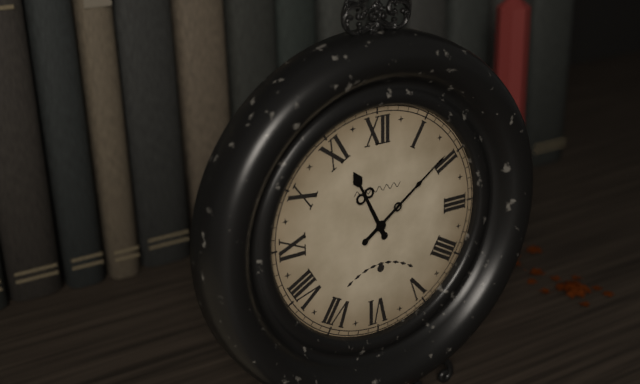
11:09
